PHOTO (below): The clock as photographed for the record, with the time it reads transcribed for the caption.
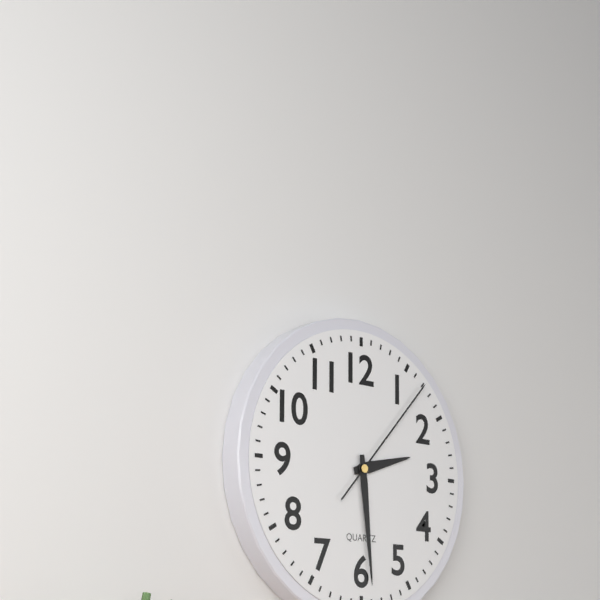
2:29:07
